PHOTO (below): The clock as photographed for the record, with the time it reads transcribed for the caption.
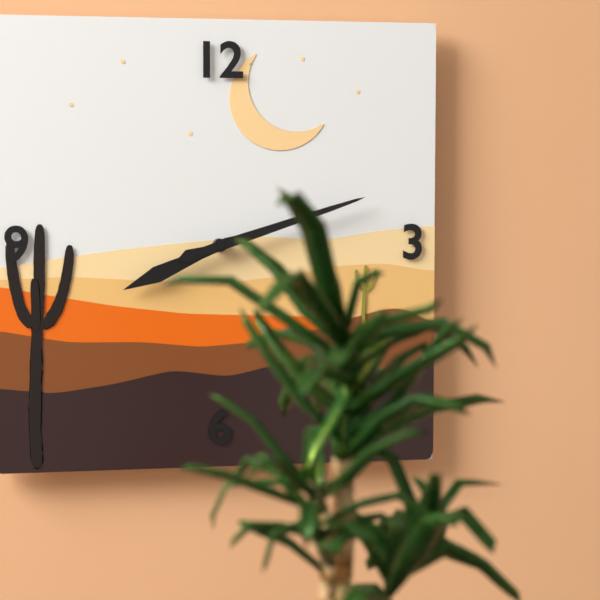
8:12
